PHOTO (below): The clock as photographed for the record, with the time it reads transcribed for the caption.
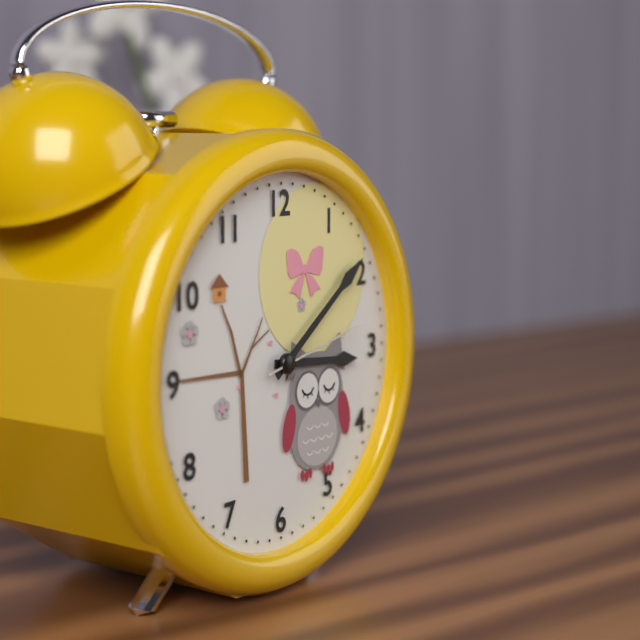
3:09:13
